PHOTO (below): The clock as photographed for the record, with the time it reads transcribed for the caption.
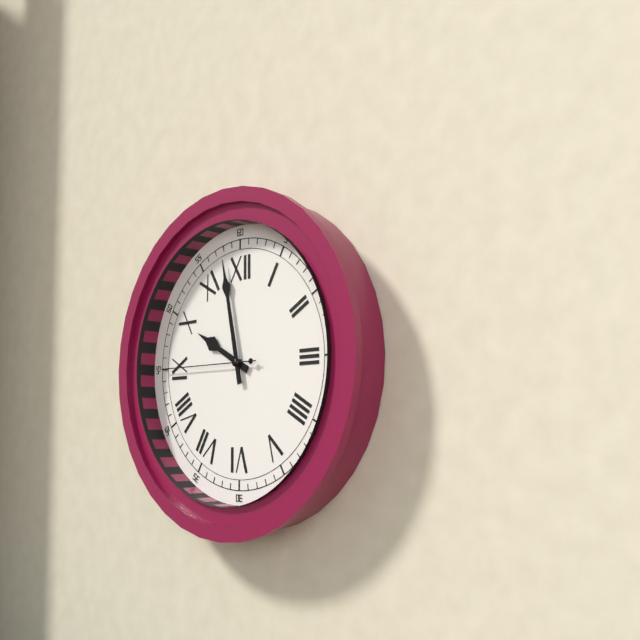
9:58:45
